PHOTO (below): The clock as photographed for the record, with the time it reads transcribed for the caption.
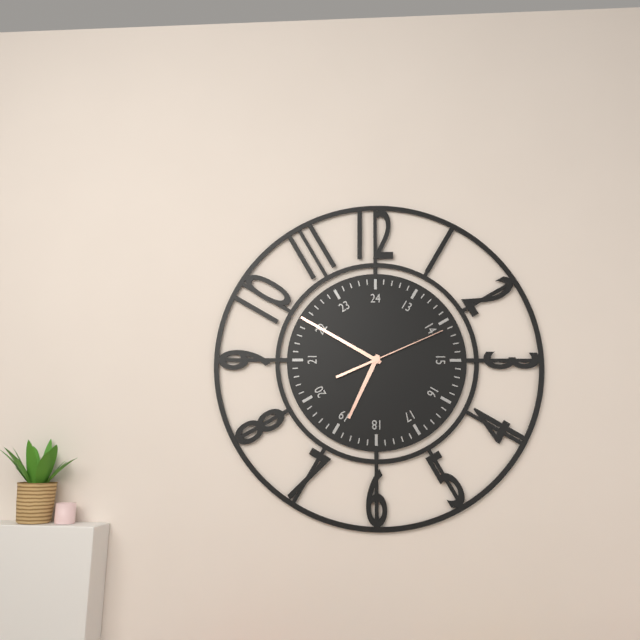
6:50:11
